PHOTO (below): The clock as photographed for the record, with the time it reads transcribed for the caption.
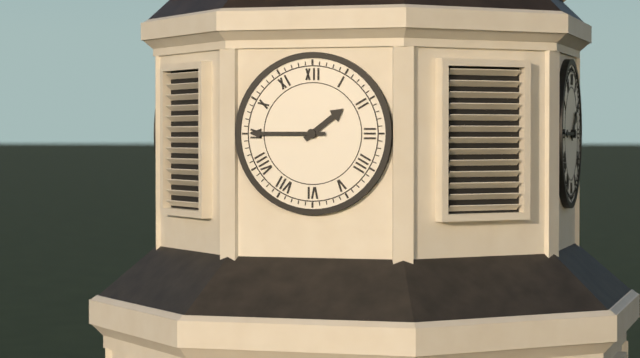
1:45
